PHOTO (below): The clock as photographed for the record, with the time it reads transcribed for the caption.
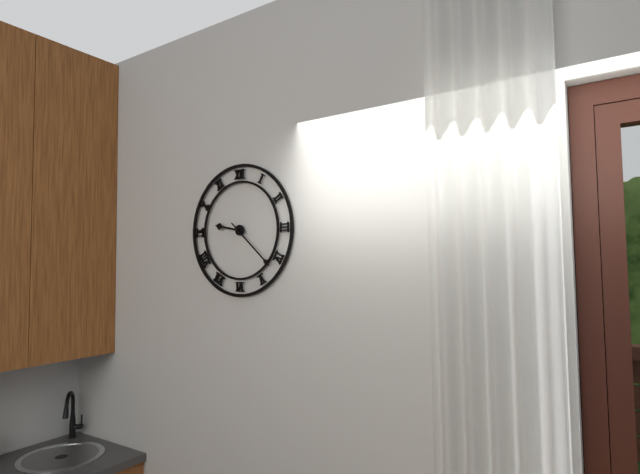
9:22
